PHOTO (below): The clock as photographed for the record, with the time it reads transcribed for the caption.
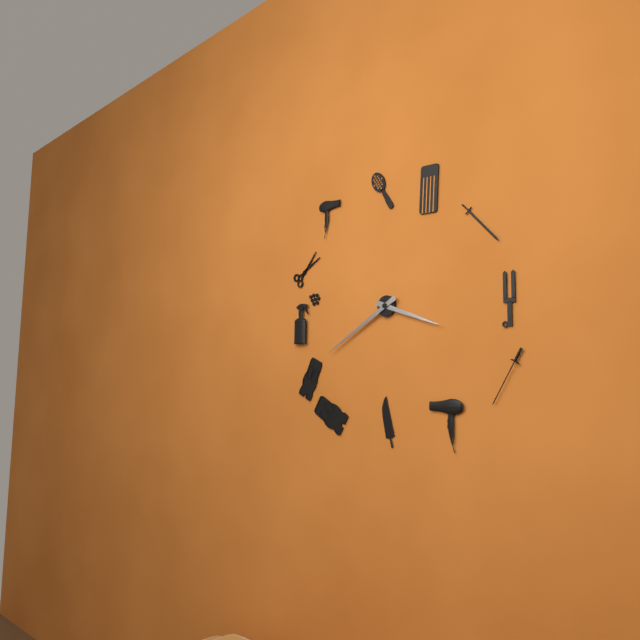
3:40
